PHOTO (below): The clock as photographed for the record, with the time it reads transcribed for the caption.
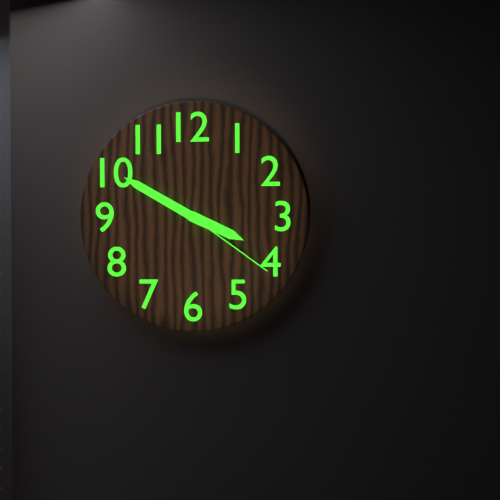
3:50:21
